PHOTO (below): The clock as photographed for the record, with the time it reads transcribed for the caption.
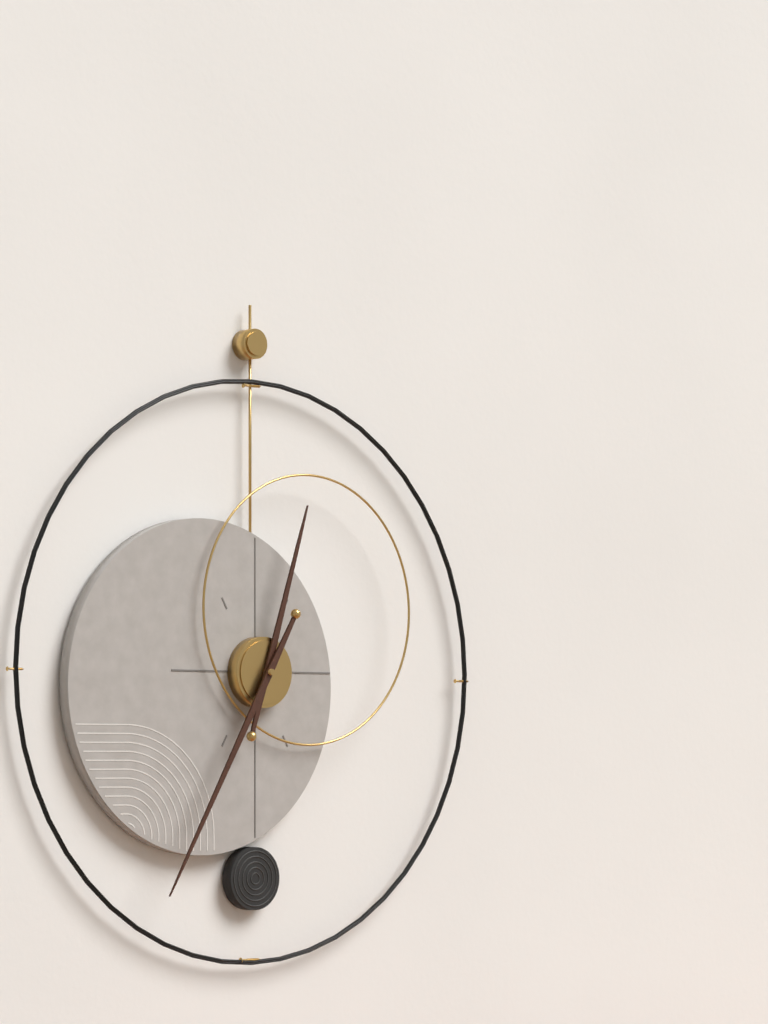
12:35
